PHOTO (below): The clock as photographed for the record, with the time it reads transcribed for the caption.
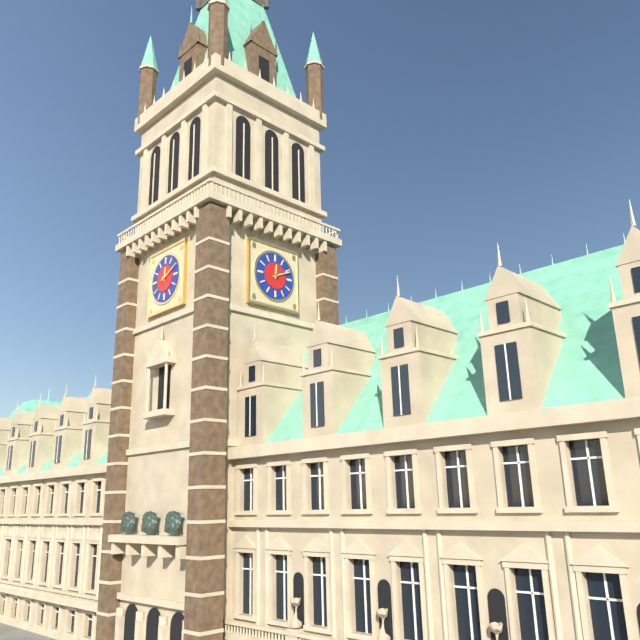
12:11
